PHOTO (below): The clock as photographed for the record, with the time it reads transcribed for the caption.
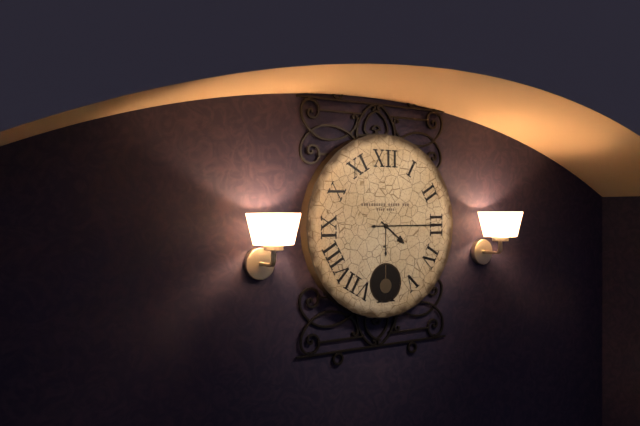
4:15
